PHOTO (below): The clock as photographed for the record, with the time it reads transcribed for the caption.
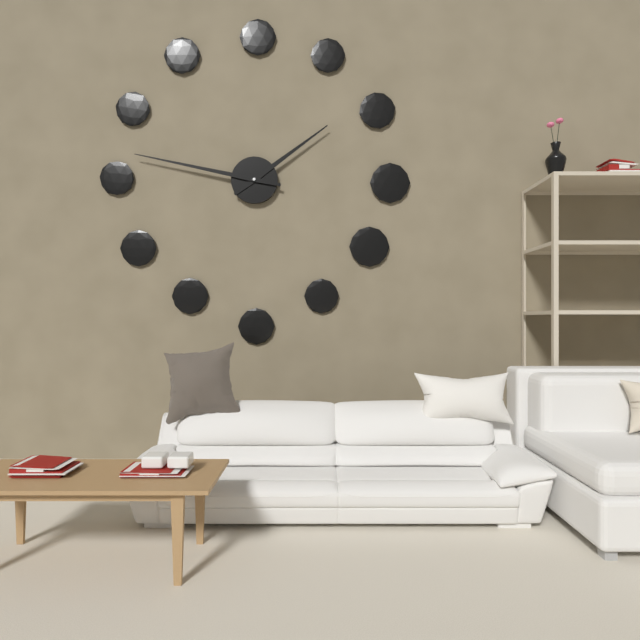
1:47
